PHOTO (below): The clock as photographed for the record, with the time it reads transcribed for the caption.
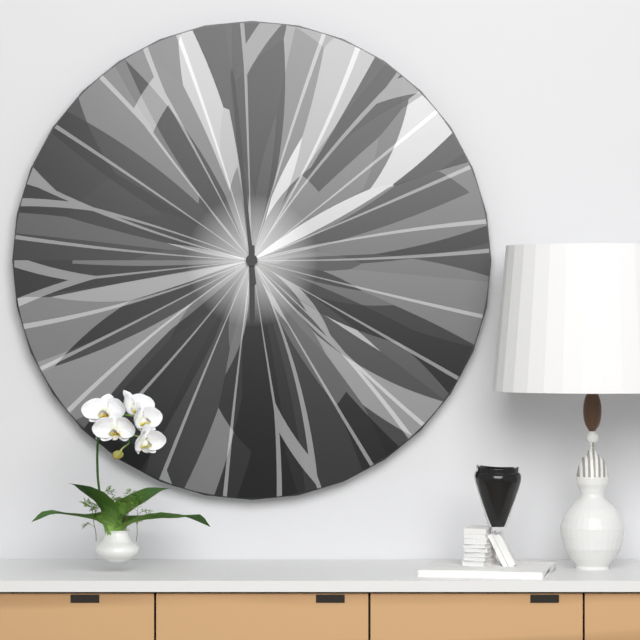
5:59
